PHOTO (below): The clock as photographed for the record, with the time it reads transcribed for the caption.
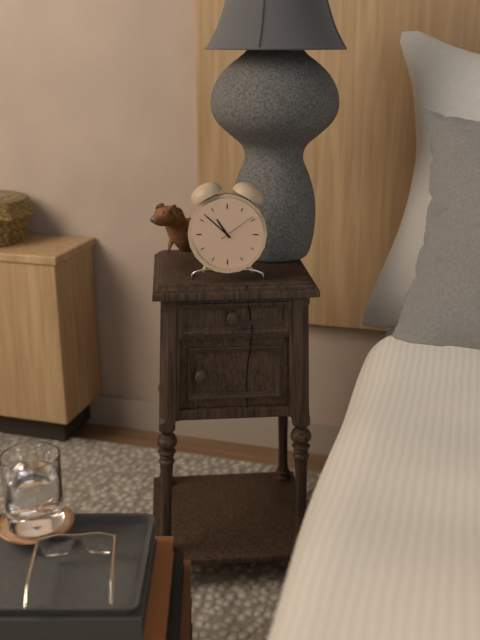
10:52
